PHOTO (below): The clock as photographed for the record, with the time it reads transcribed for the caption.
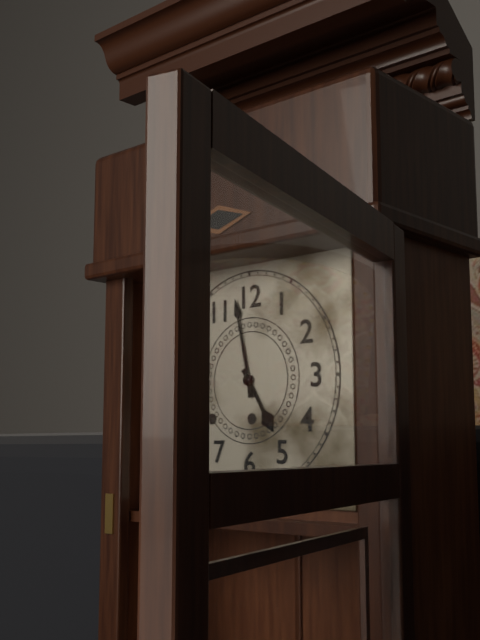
4:58
